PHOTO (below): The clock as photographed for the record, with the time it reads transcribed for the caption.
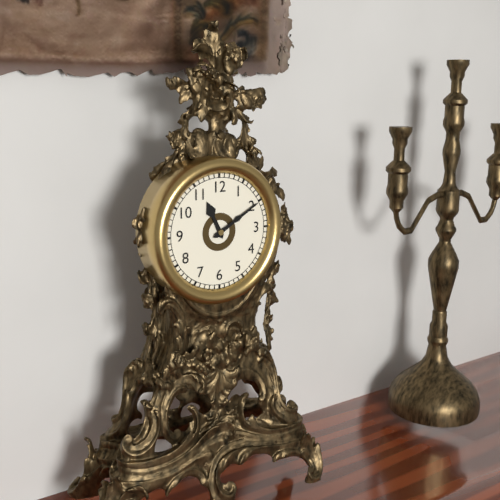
11:10
